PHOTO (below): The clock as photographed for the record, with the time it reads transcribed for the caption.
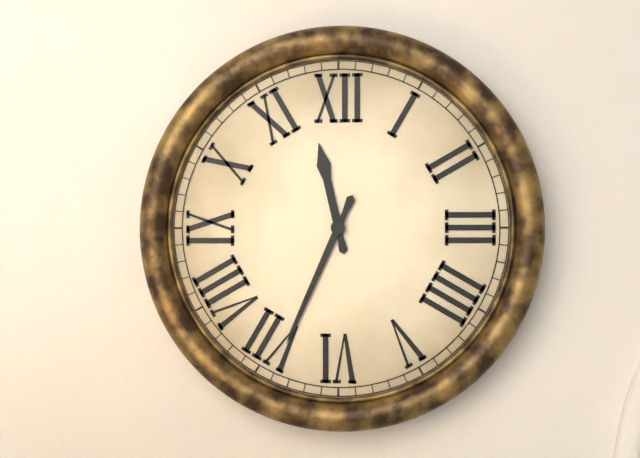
11:34
